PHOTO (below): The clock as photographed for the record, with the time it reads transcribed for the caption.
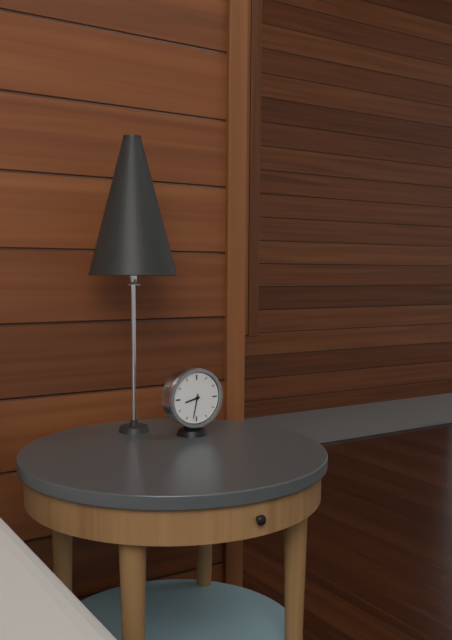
8:32
